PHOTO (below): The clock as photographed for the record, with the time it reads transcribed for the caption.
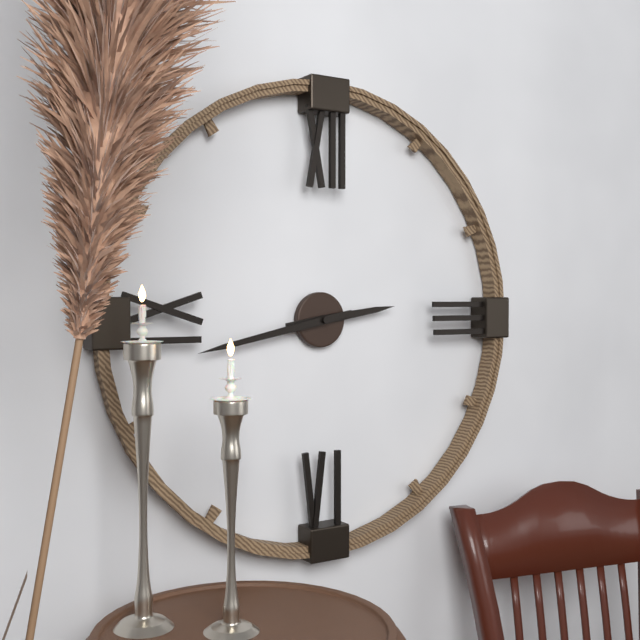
2:43
